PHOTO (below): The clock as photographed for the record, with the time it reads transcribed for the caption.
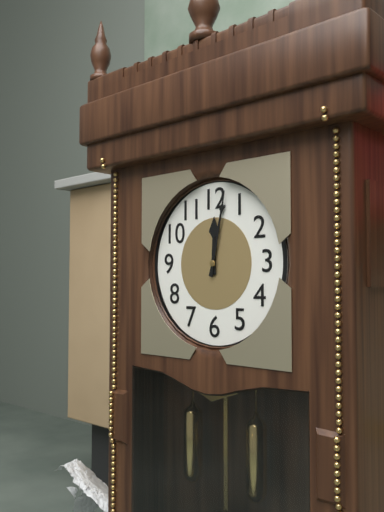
12:02
